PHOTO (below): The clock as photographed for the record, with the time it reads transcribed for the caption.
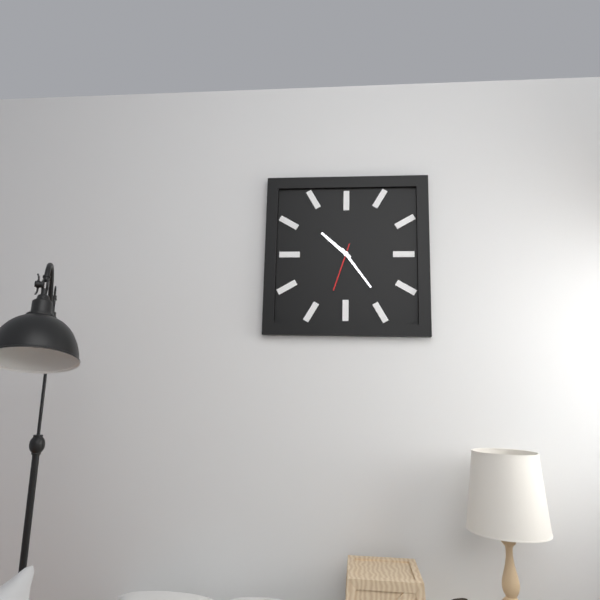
10:24
